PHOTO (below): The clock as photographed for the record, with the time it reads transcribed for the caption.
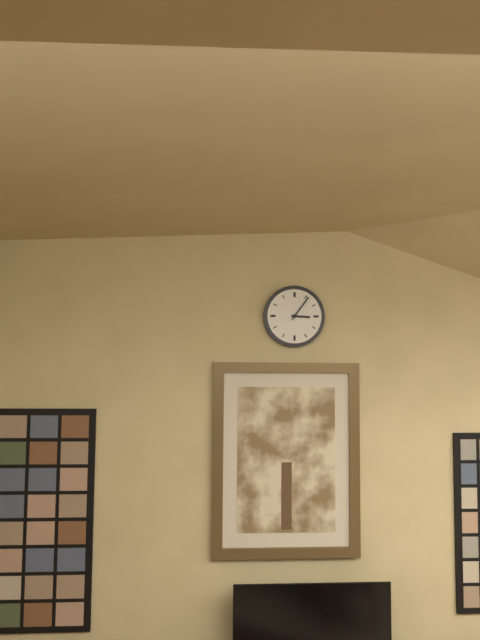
3:06
